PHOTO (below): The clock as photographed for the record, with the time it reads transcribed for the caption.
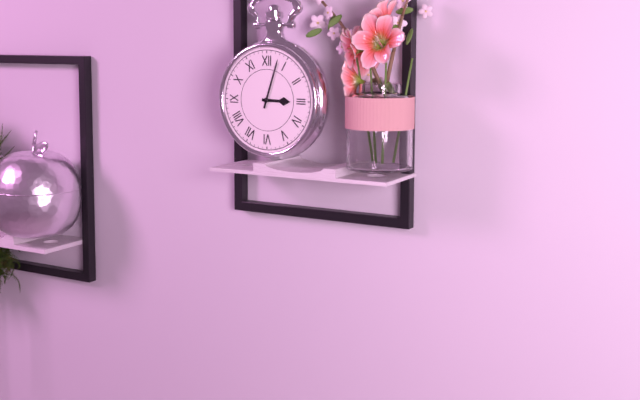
3:03
